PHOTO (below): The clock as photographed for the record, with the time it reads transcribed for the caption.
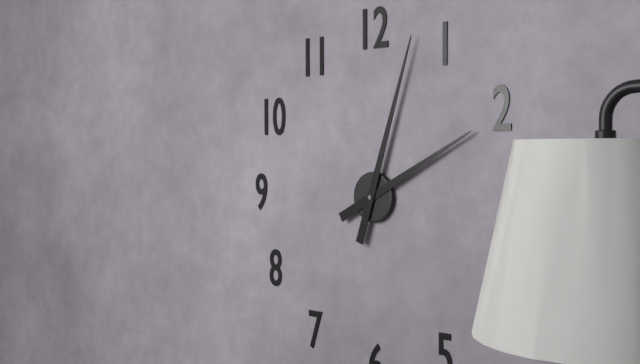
2:03
